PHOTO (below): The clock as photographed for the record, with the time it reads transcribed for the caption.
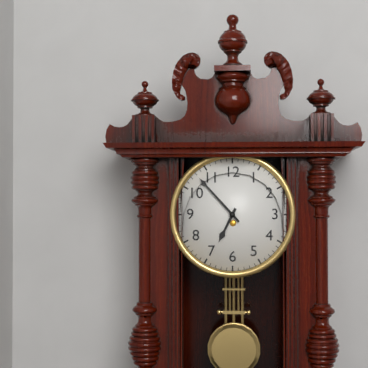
6:53
